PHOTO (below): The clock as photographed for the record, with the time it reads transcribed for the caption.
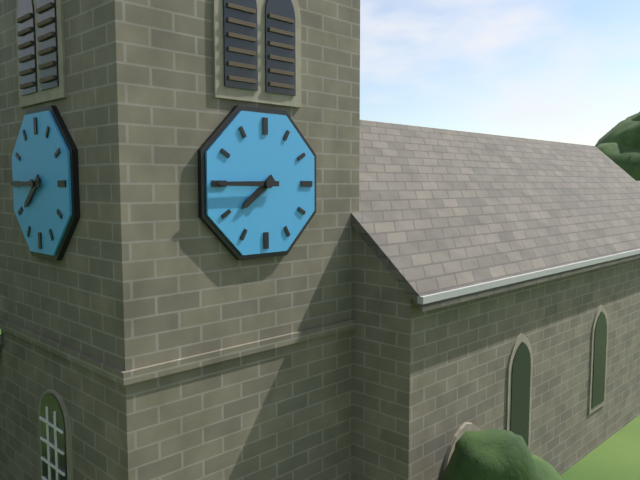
7:45
